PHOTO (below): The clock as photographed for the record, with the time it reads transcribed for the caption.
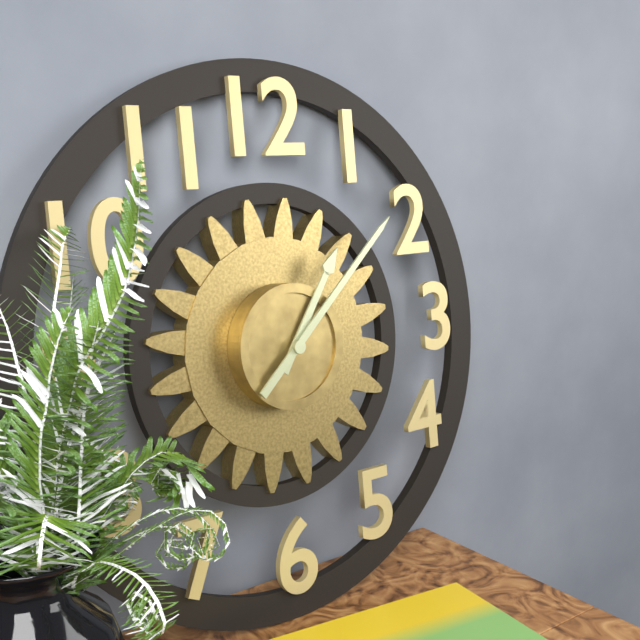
1:08
